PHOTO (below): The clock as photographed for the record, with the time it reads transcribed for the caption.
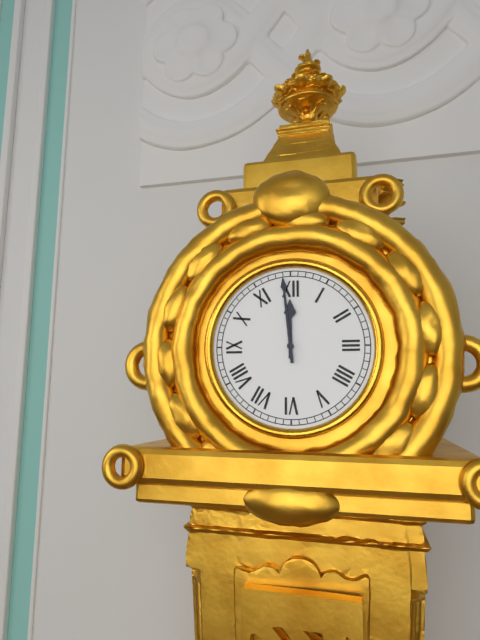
11:59
